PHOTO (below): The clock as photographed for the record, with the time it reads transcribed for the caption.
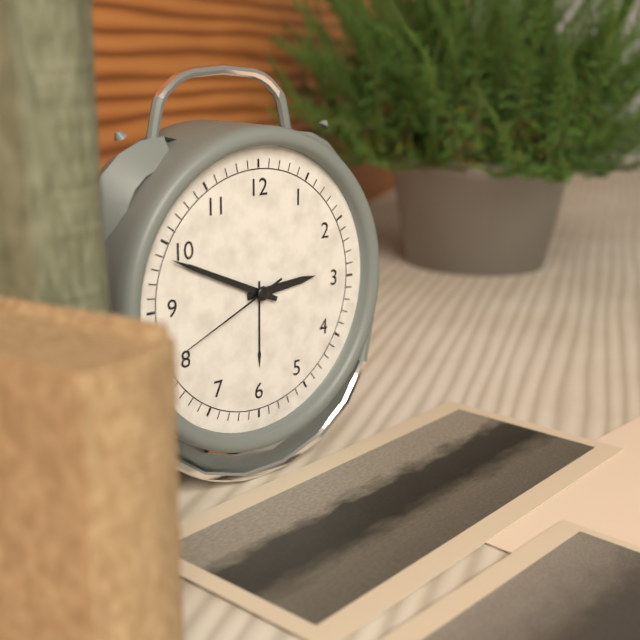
2:49:41
